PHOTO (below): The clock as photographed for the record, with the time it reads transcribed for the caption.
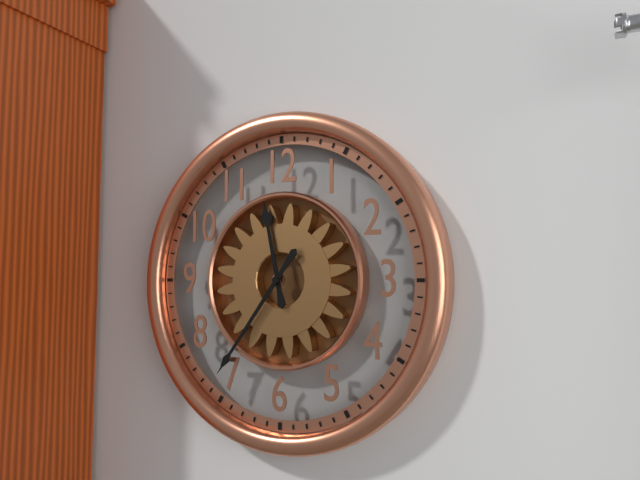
11:36
